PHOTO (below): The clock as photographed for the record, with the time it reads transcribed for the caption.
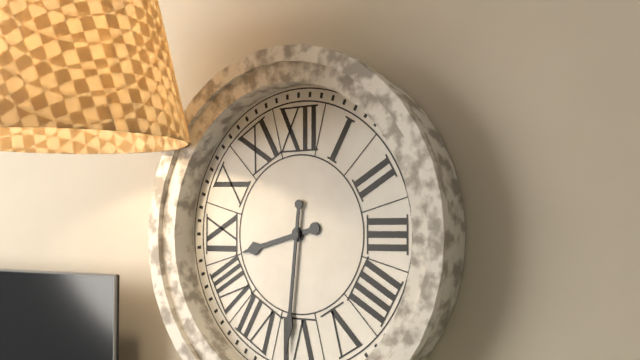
8:31
